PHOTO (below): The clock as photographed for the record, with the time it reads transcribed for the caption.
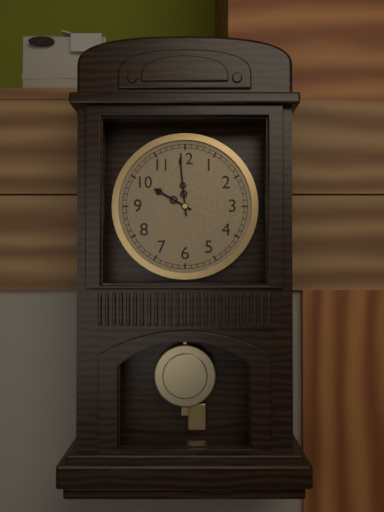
9:59
